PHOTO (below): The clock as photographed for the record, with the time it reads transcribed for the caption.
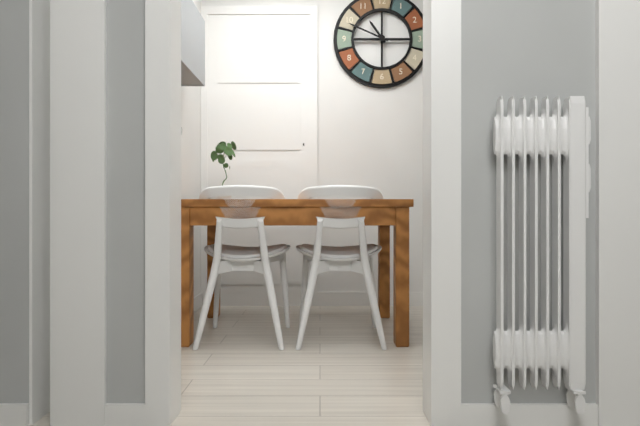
10:49
